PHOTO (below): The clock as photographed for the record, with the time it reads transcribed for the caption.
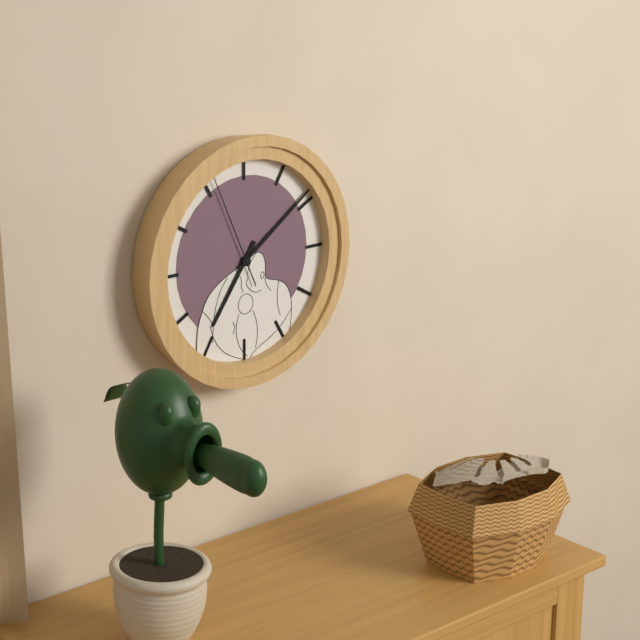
7:09:56
